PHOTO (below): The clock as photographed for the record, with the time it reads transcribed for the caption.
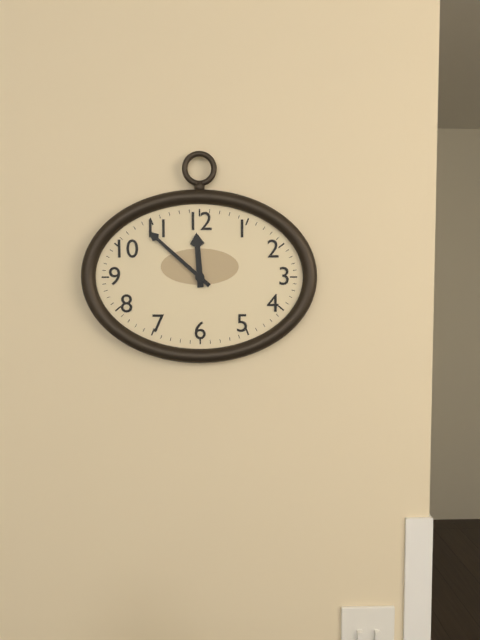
11:52
